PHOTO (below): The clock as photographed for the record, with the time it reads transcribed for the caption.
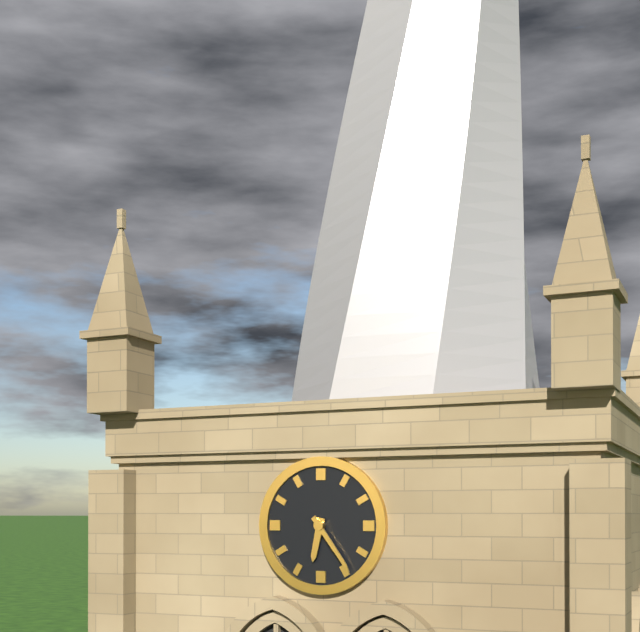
6:24
